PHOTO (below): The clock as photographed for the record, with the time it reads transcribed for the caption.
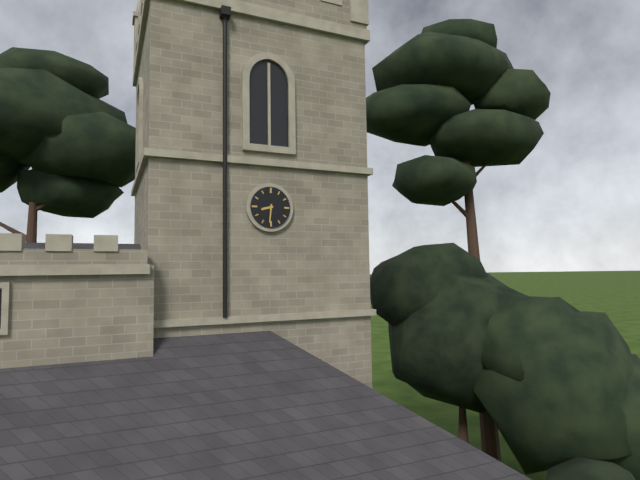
8:31
